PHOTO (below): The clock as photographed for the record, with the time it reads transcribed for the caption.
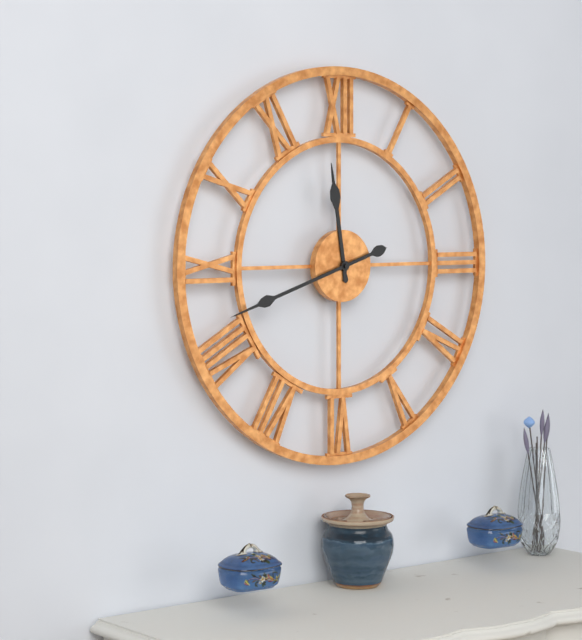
11:42
